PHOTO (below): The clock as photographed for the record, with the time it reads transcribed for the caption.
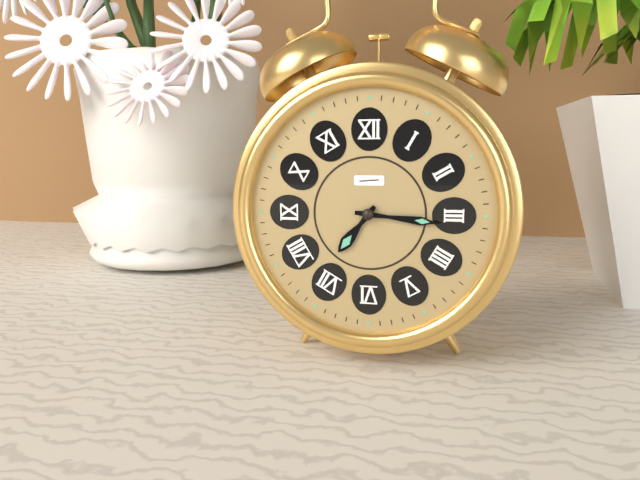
7:16
